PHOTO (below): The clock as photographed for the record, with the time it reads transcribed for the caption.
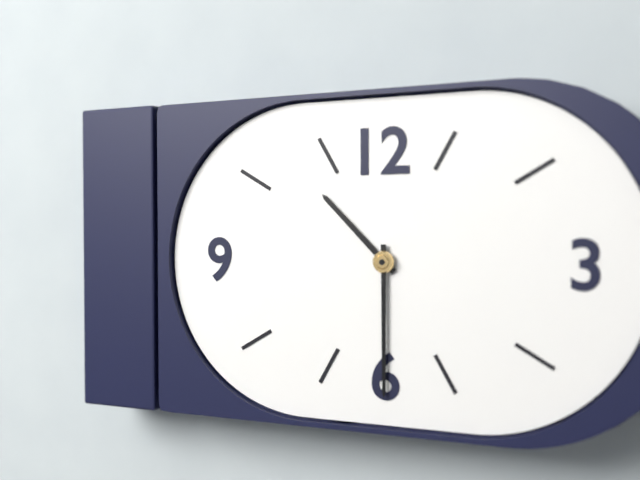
10:30
